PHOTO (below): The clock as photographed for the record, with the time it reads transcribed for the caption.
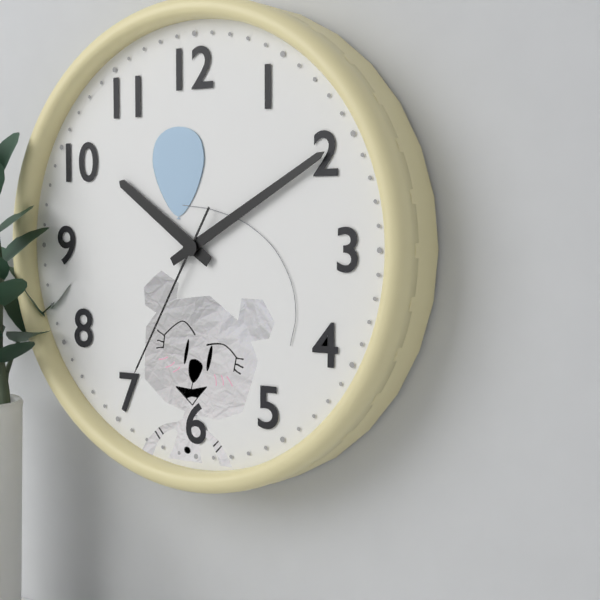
10:10:35
